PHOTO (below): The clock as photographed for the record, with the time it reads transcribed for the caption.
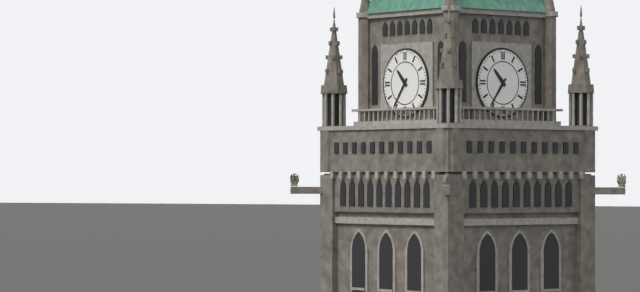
10:36
